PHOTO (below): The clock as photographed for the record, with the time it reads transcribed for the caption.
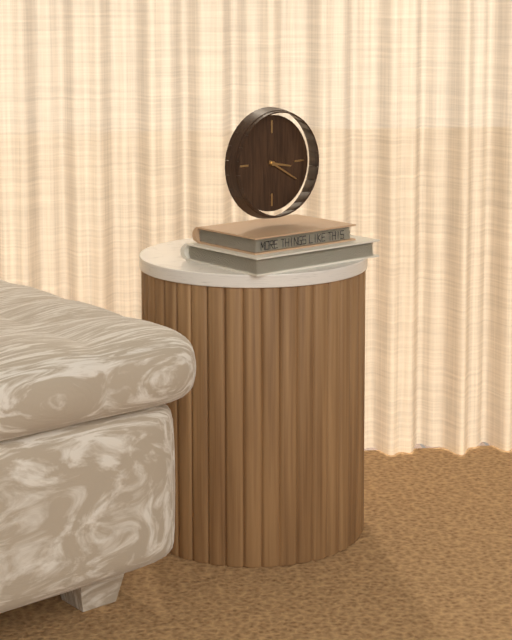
3:20
